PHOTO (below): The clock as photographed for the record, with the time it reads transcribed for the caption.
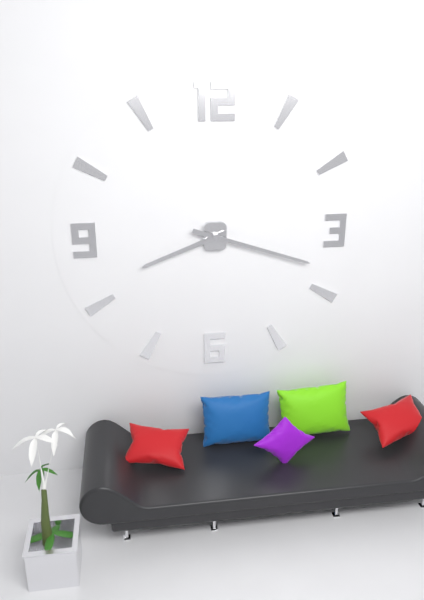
8:18
